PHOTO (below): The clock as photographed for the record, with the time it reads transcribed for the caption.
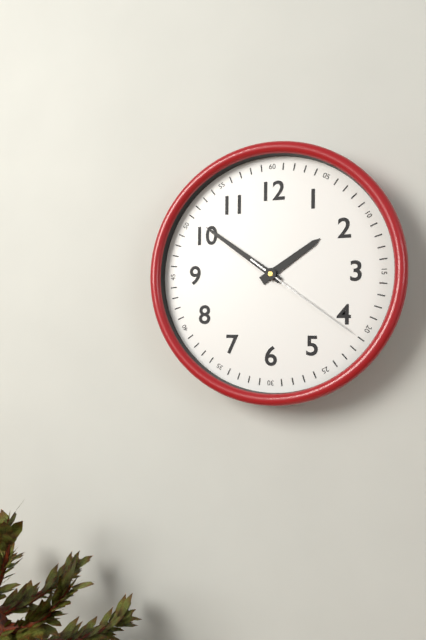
1:51:21
